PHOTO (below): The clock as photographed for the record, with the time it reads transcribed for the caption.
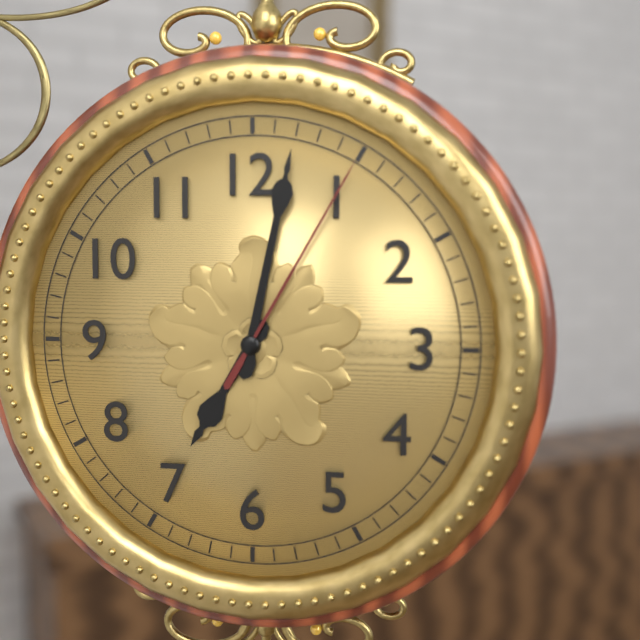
7:02:05
